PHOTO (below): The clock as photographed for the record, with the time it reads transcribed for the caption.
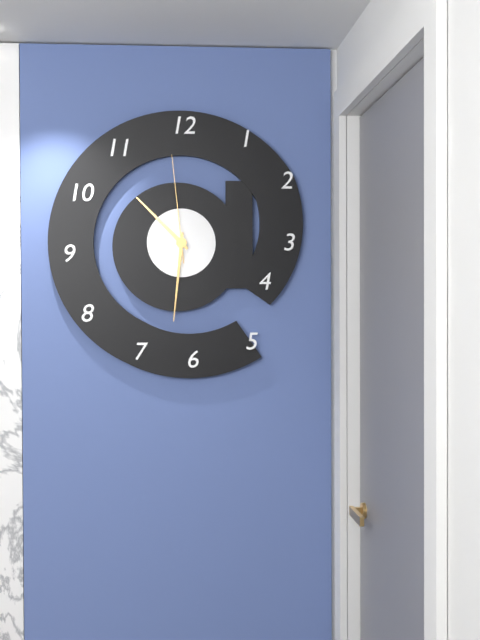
10:31:59
